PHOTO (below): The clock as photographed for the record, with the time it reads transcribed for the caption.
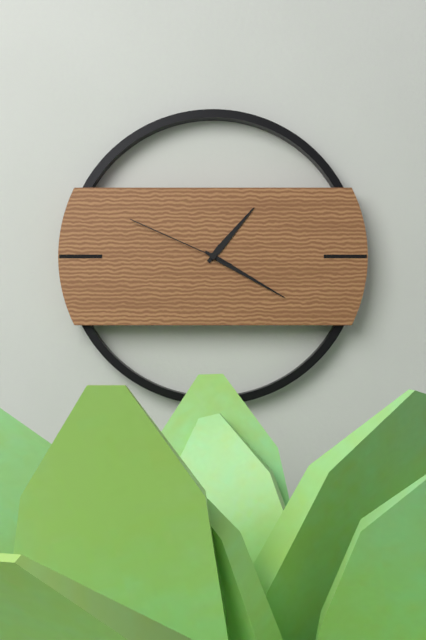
1:20:49
